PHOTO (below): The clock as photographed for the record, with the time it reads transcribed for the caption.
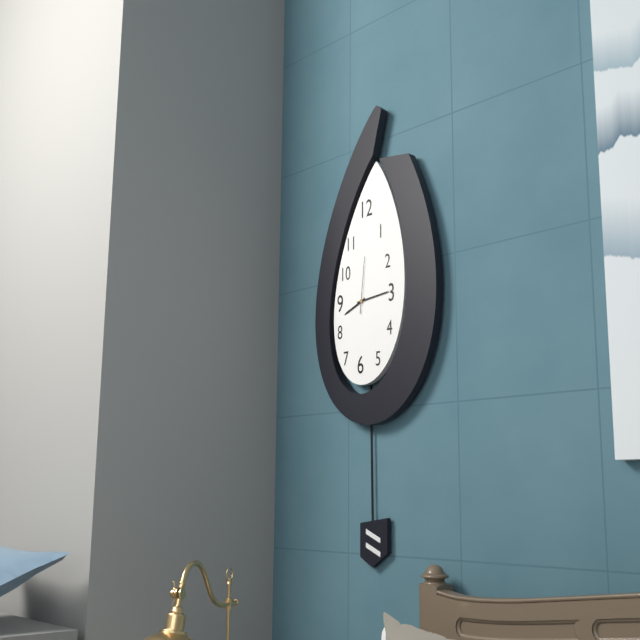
8:14:01
